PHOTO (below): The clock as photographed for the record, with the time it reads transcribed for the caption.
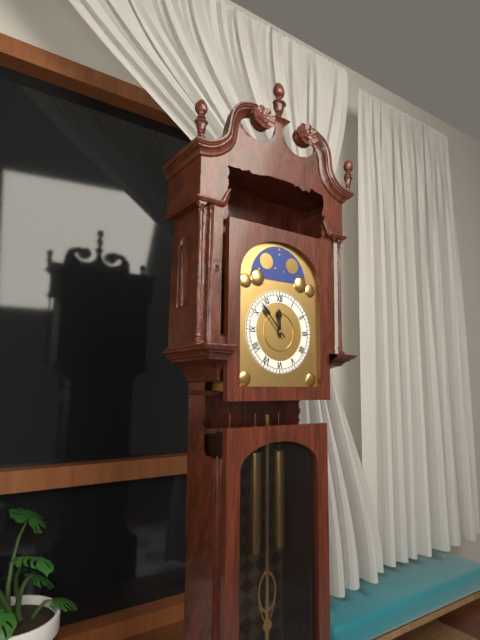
11:53
